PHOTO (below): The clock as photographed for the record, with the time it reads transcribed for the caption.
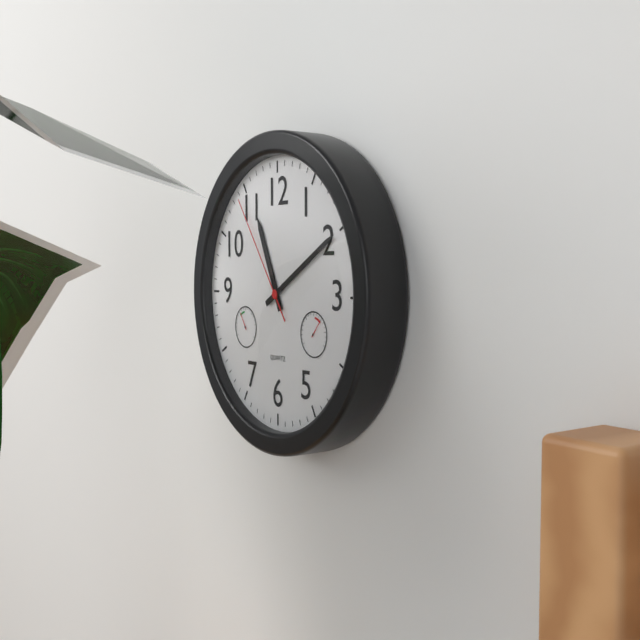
11:10:54
